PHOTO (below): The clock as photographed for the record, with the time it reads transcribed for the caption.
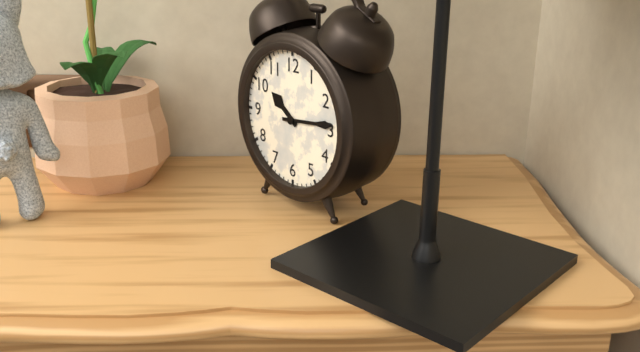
10:14
